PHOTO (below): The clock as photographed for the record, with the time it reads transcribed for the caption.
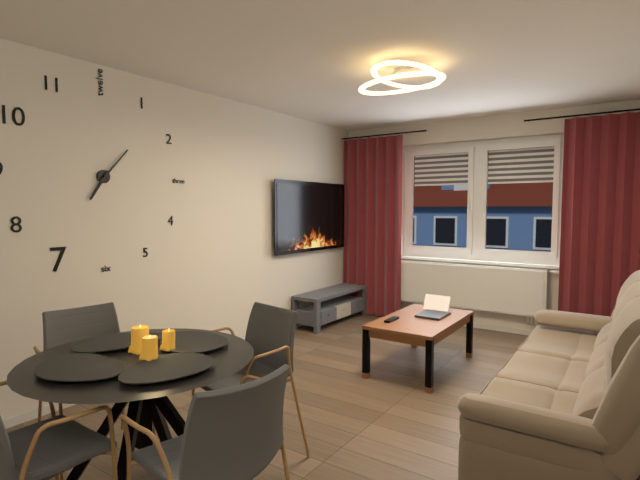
7:07
